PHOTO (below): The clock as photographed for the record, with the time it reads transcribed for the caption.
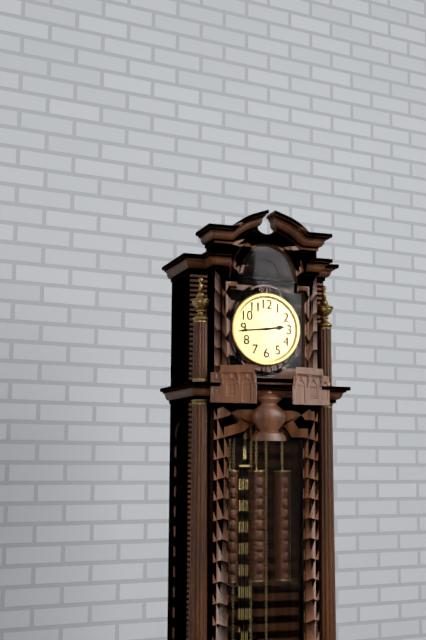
2:44
